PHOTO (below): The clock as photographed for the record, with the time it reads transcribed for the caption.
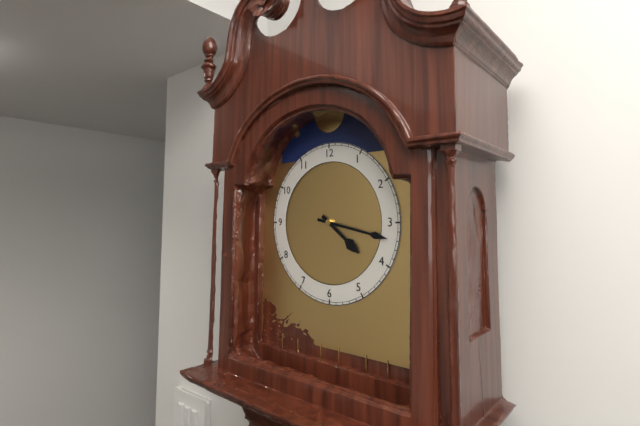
4:17
